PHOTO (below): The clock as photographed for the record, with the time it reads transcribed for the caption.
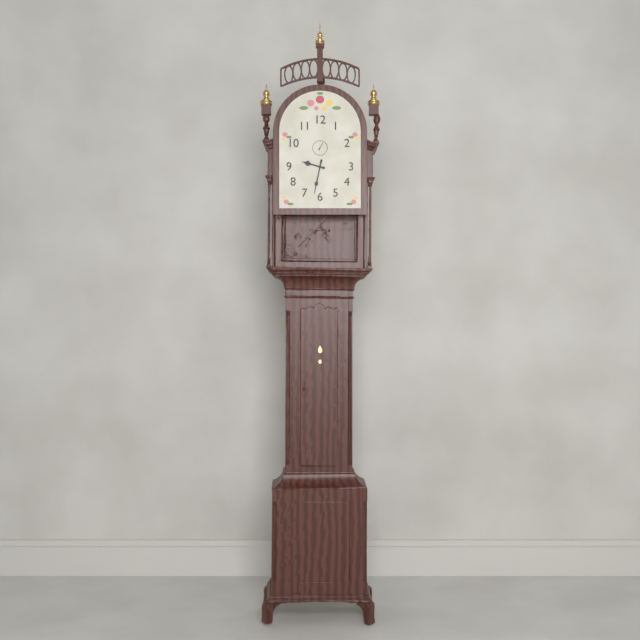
9:32
